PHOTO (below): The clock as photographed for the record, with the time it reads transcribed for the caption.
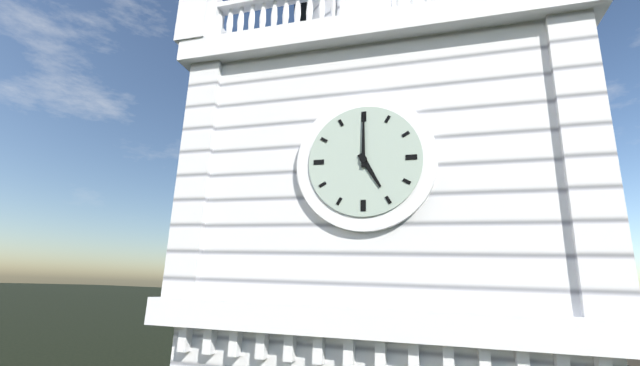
5:00
